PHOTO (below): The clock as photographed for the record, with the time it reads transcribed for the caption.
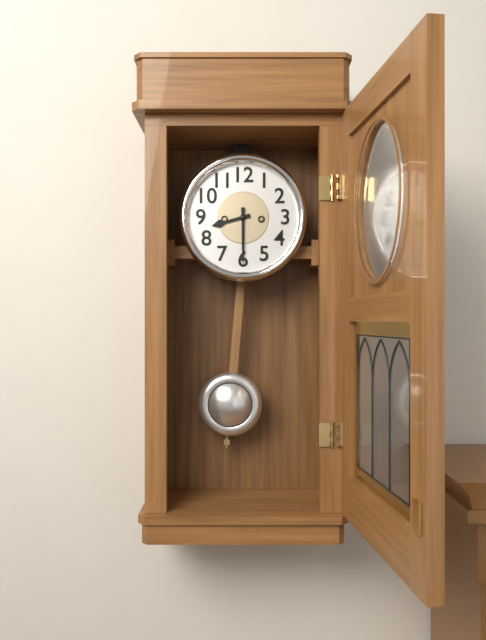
8:30
